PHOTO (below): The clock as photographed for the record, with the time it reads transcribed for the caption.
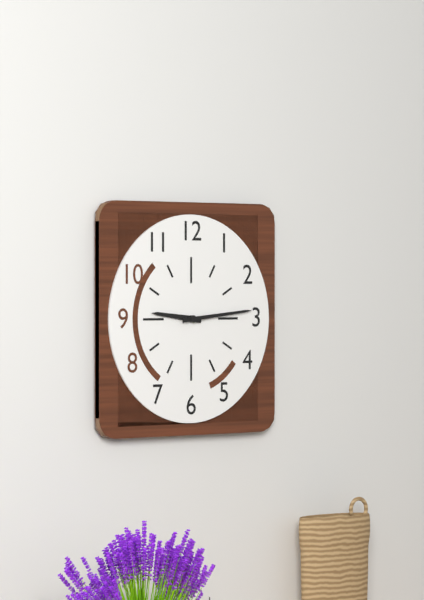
9:14
